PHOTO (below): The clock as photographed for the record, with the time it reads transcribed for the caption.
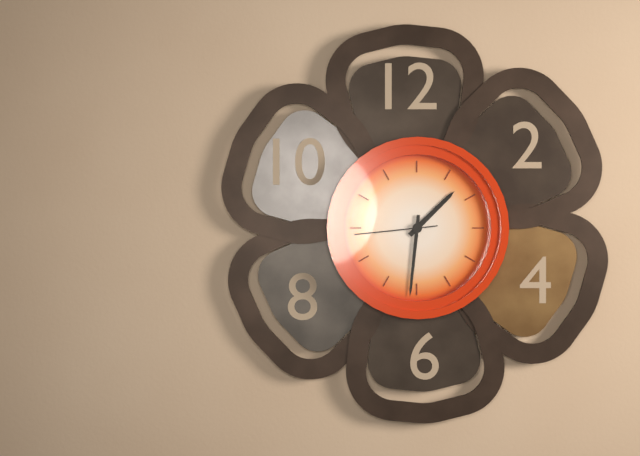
1:31:44
